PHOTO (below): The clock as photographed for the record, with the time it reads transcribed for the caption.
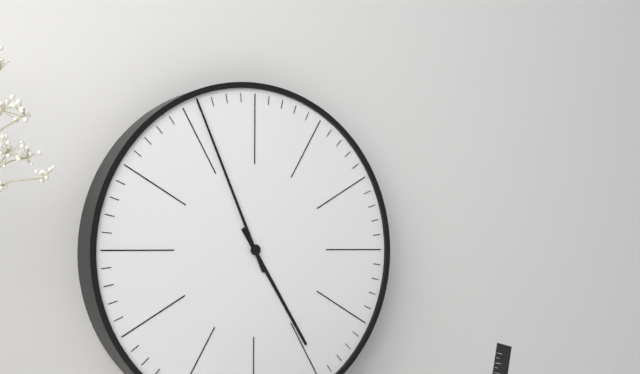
4:56
